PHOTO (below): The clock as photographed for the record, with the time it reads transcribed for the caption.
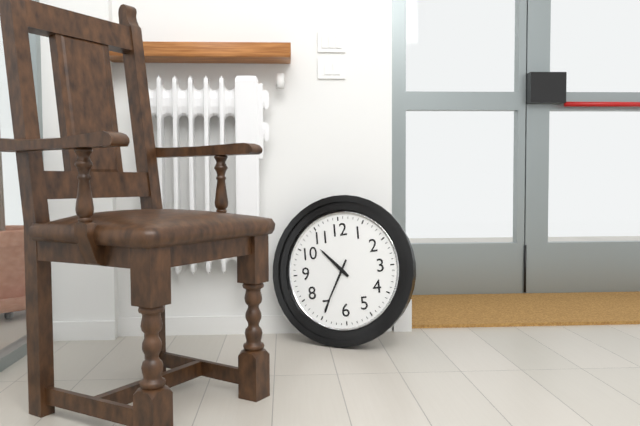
10:35
